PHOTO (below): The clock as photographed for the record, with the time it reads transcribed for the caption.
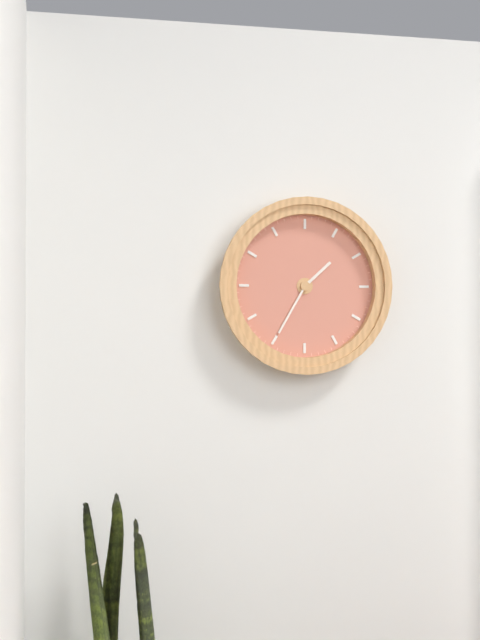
1:35
